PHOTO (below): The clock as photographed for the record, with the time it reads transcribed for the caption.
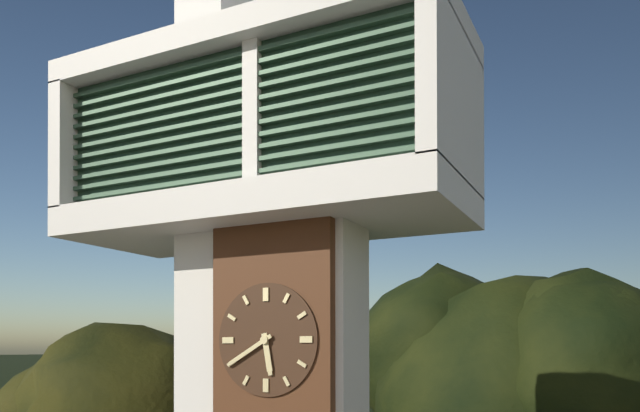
5:40
